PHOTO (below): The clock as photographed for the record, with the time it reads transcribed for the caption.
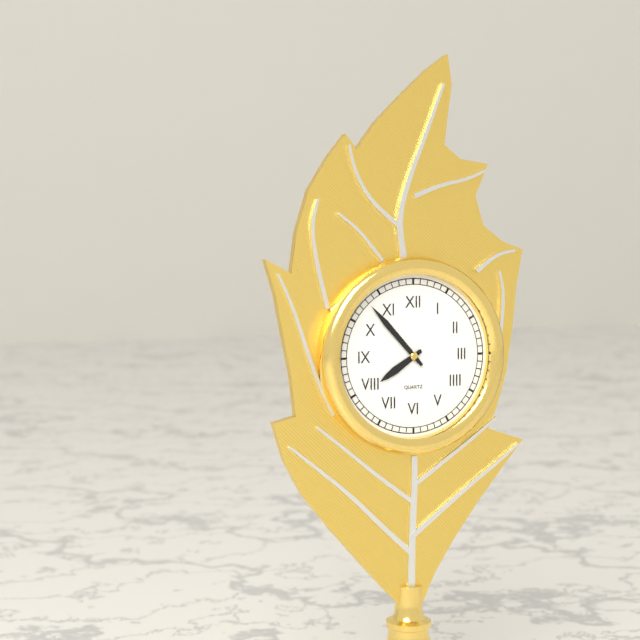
7:53
